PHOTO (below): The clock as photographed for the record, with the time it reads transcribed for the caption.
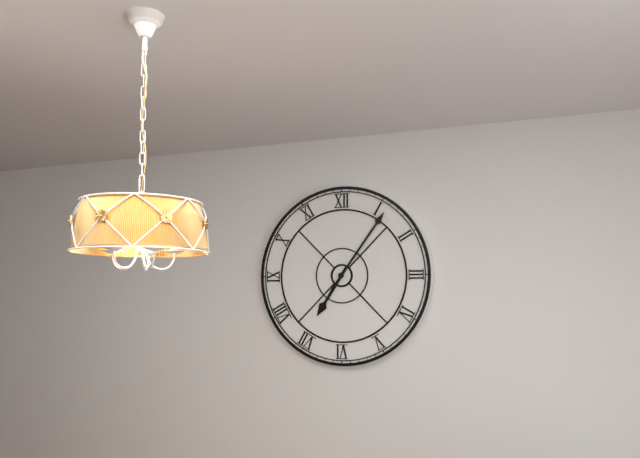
7:06
